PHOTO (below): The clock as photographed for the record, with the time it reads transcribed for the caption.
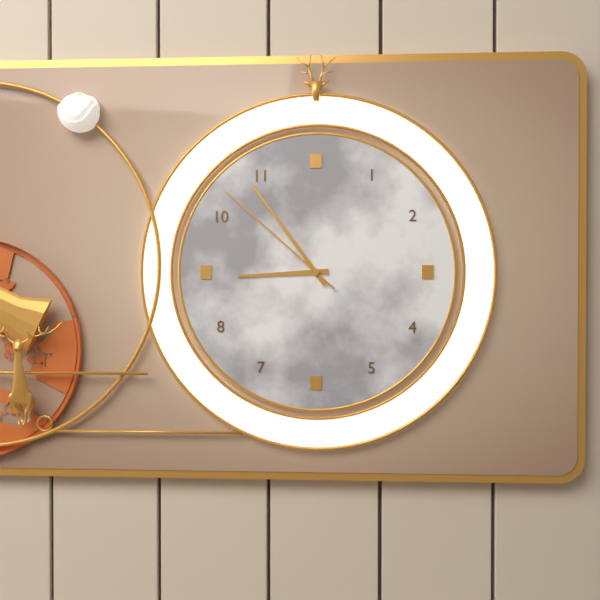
8:54:52
